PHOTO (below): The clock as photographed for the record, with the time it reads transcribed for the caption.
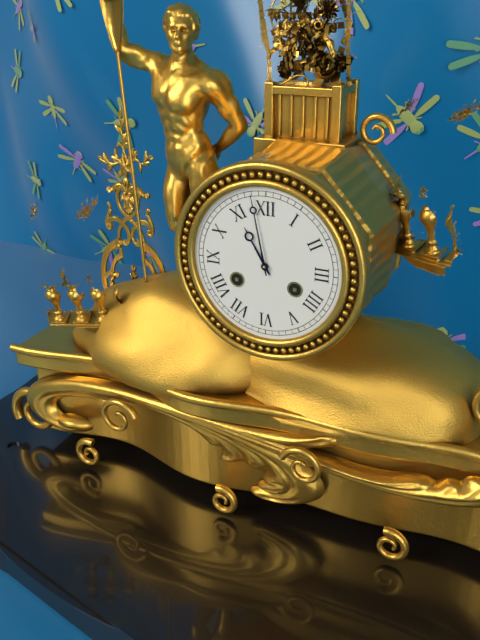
10:58
